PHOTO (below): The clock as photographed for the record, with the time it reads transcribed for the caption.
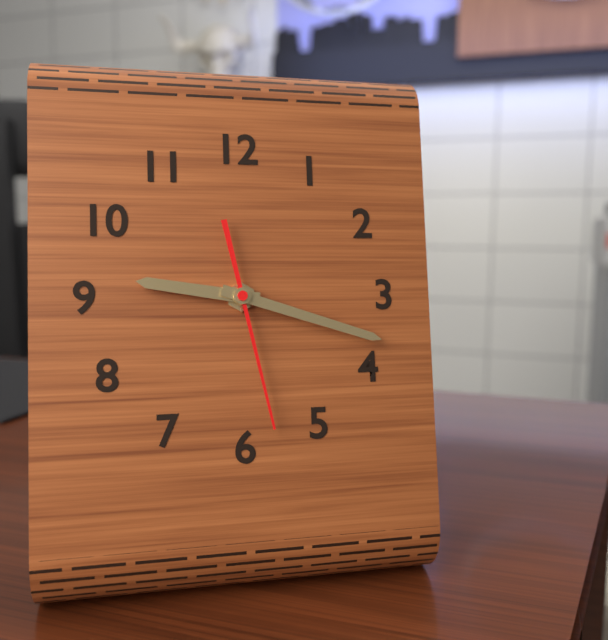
9:18:28
